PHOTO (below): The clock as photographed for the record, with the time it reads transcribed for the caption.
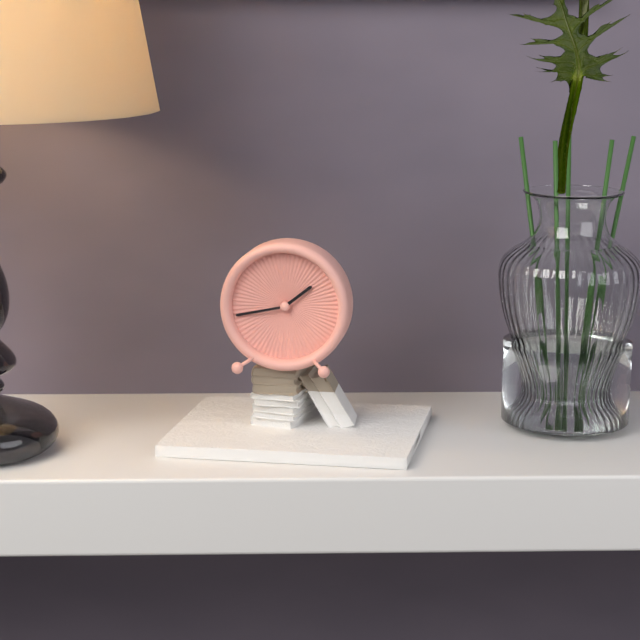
1:43
